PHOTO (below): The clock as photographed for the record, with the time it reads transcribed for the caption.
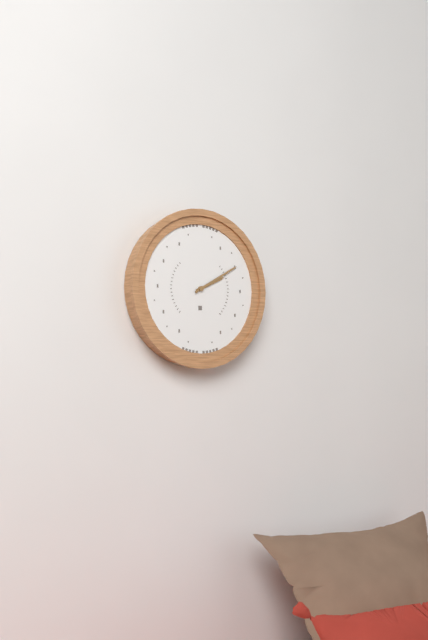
2:10
